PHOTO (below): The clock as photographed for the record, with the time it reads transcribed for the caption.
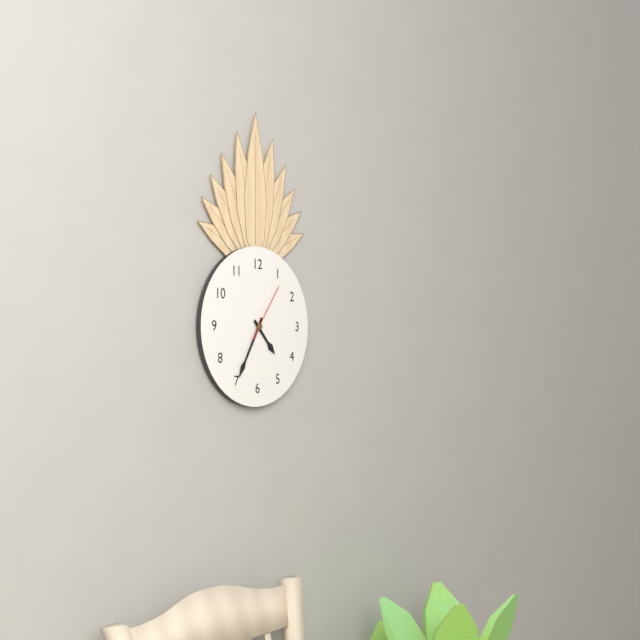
4:35:06
